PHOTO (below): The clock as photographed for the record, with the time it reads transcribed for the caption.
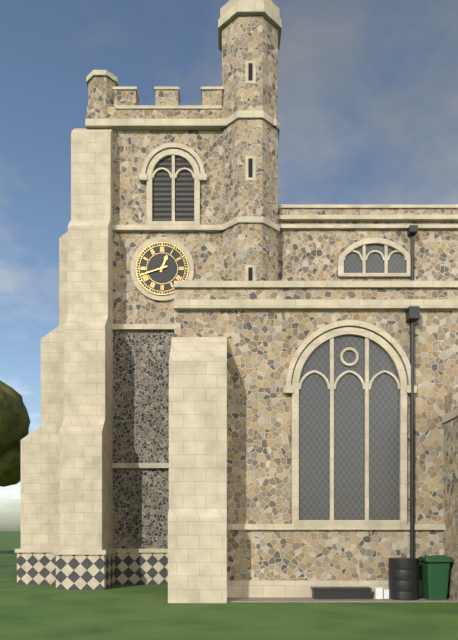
12:42
